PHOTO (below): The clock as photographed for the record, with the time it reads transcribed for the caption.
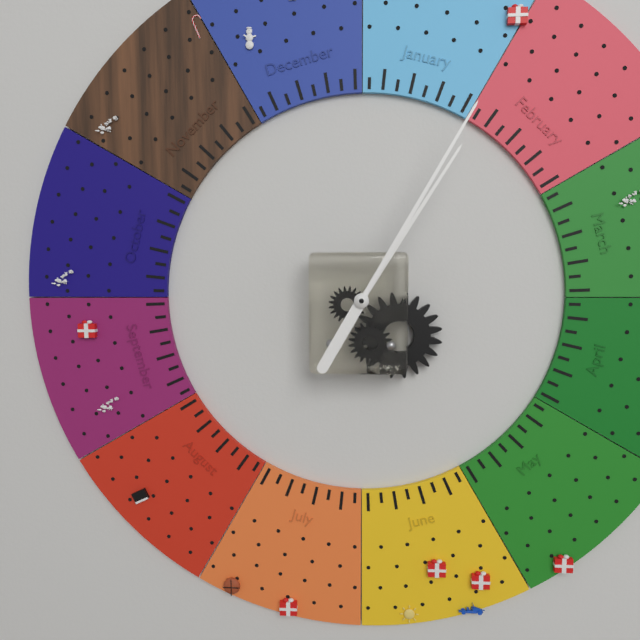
1:05
